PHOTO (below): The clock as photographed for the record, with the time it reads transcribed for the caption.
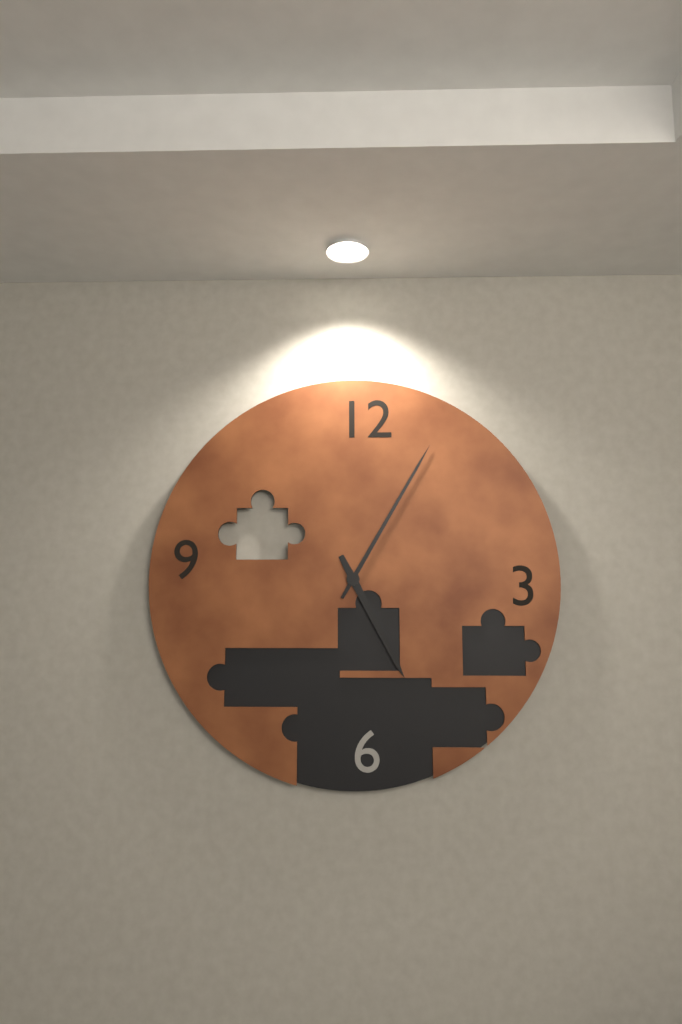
5:05
